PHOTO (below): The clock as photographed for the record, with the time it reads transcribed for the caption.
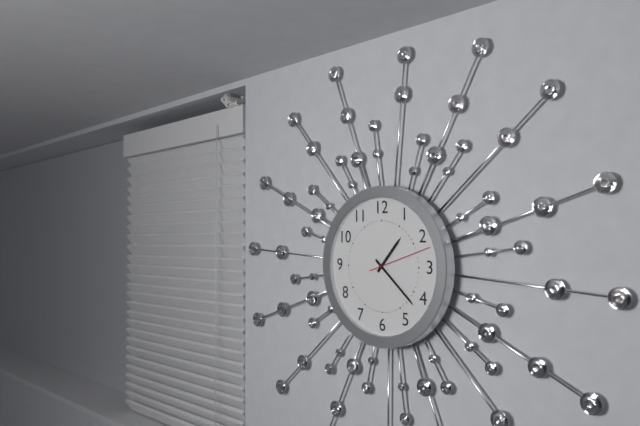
1:22:12
